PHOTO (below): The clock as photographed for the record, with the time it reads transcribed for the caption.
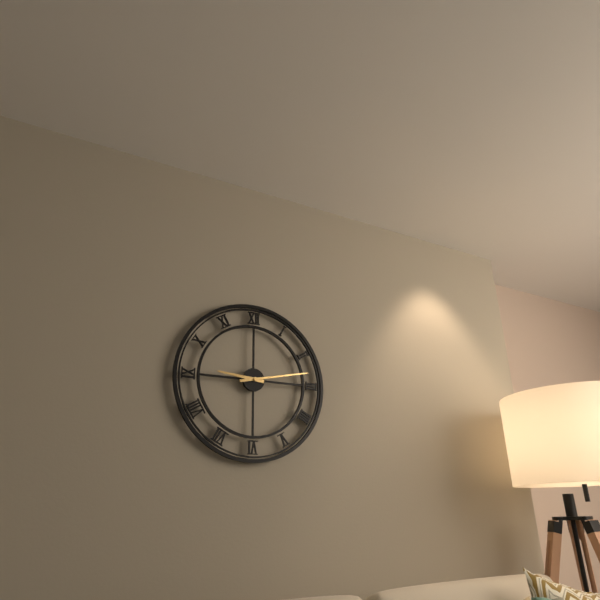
9:13
